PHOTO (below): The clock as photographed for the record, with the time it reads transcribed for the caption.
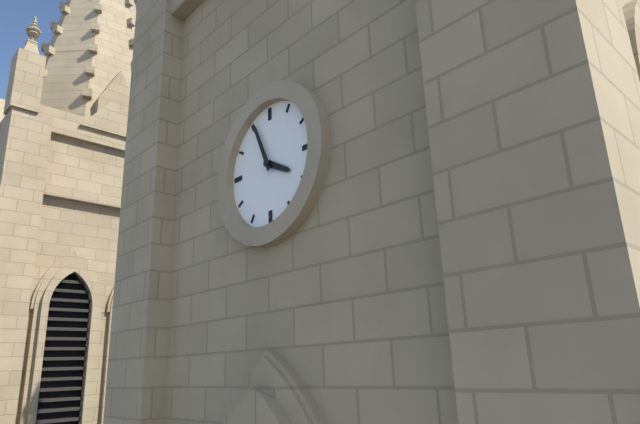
3:56
